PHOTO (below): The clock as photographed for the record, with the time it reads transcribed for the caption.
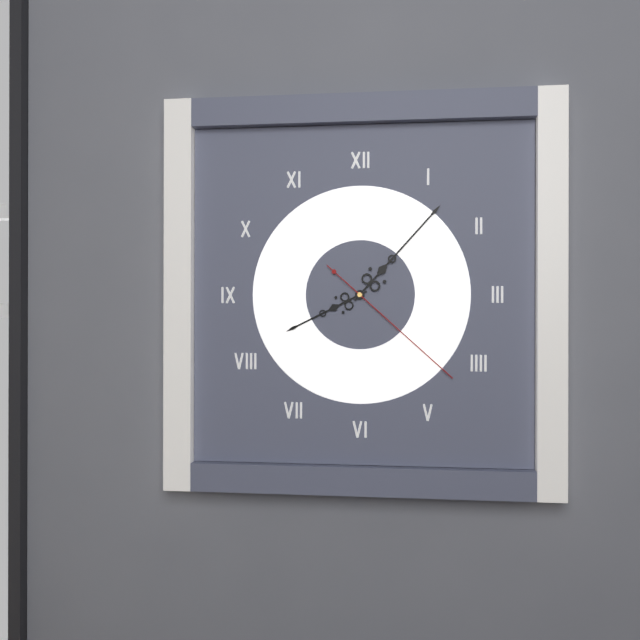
8:07:22
